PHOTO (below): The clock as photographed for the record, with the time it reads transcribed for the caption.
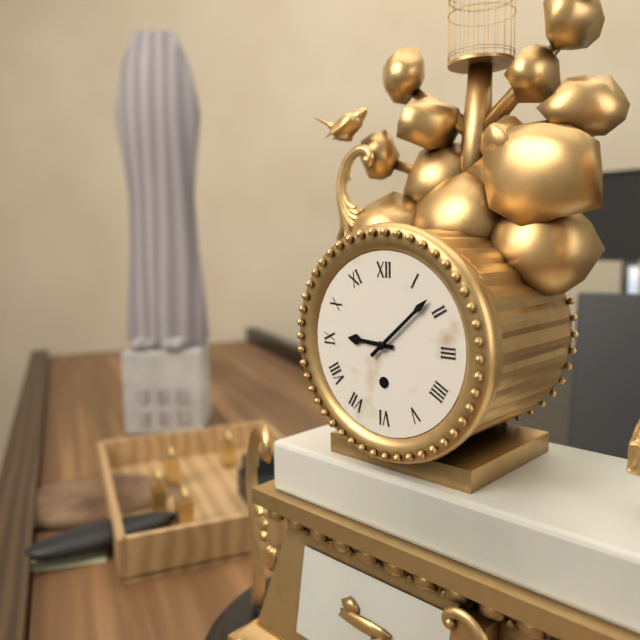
9:08
